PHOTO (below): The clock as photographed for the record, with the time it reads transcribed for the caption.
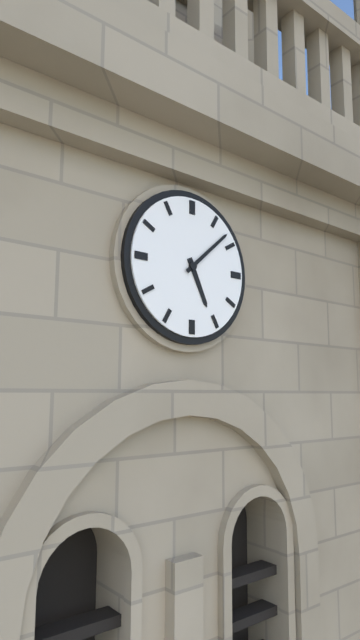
5:08
